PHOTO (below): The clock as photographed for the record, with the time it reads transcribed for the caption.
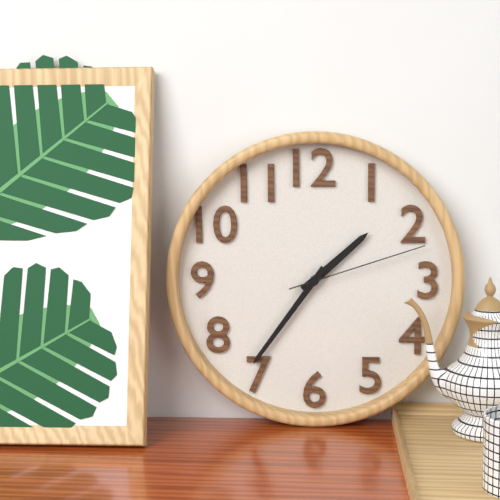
1:36:12
